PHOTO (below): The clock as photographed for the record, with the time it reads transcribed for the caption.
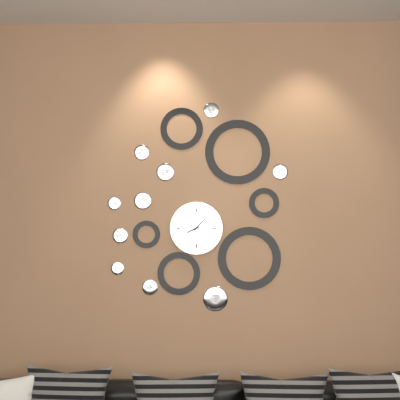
8:07
